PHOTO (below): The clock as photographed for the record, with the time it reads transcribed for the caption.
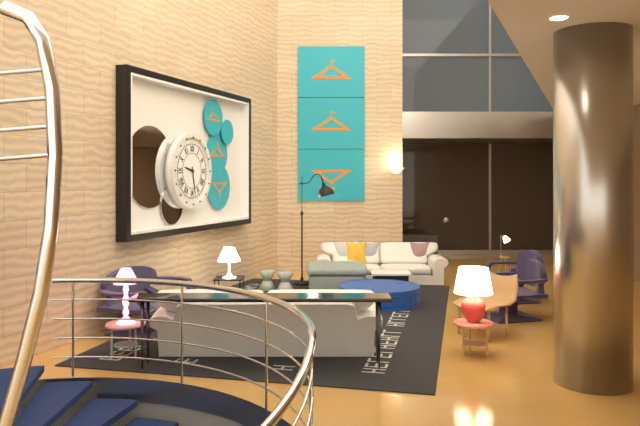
9:28
